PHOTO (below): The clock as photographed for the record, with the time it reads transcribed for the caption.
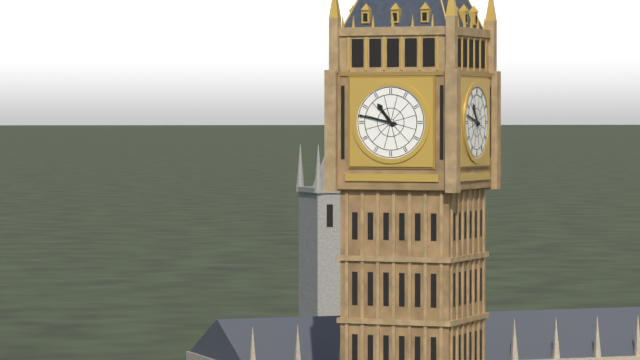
10:47
